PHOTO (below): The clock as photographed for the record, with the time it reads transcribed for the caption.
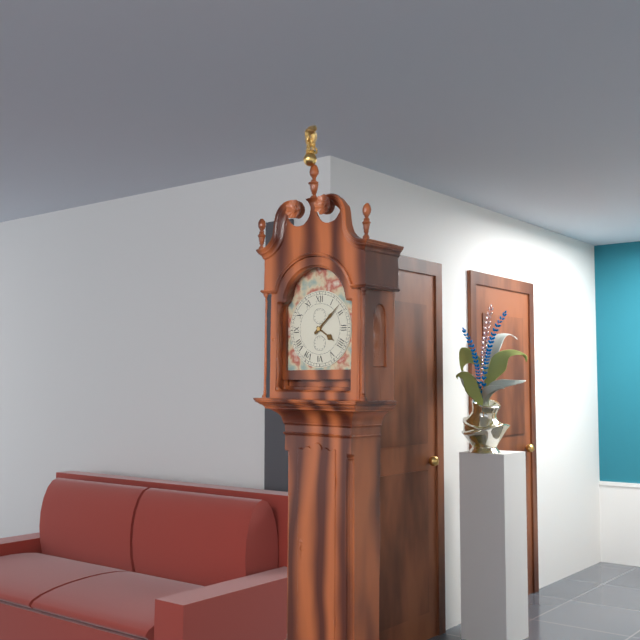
4:08
